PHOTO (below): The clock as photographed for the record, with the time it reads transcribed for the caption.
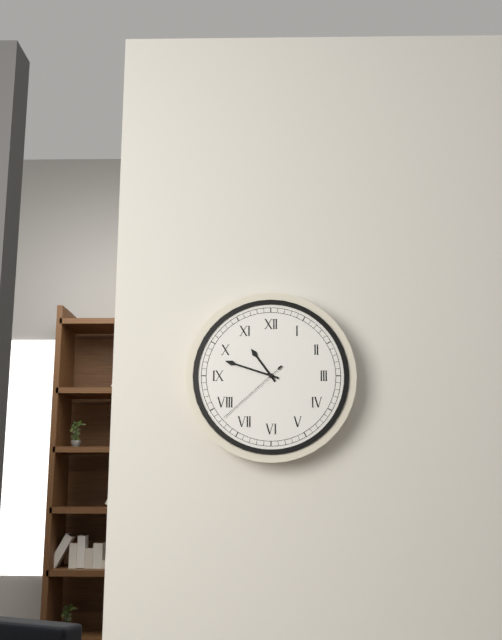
10:48:38
